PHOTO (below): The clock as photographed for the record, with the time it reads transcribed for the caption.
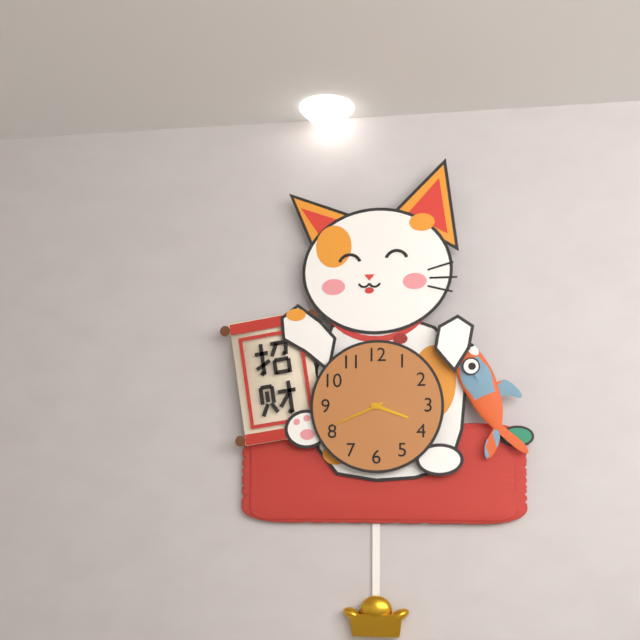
3:41
